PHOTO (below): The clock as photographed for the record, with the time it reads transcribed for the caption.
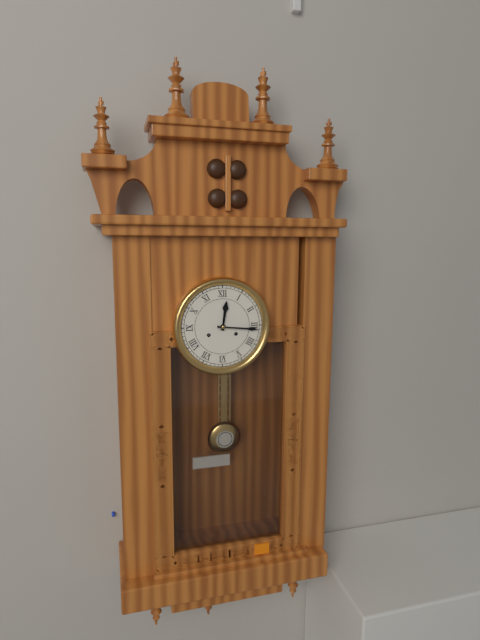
12:16
